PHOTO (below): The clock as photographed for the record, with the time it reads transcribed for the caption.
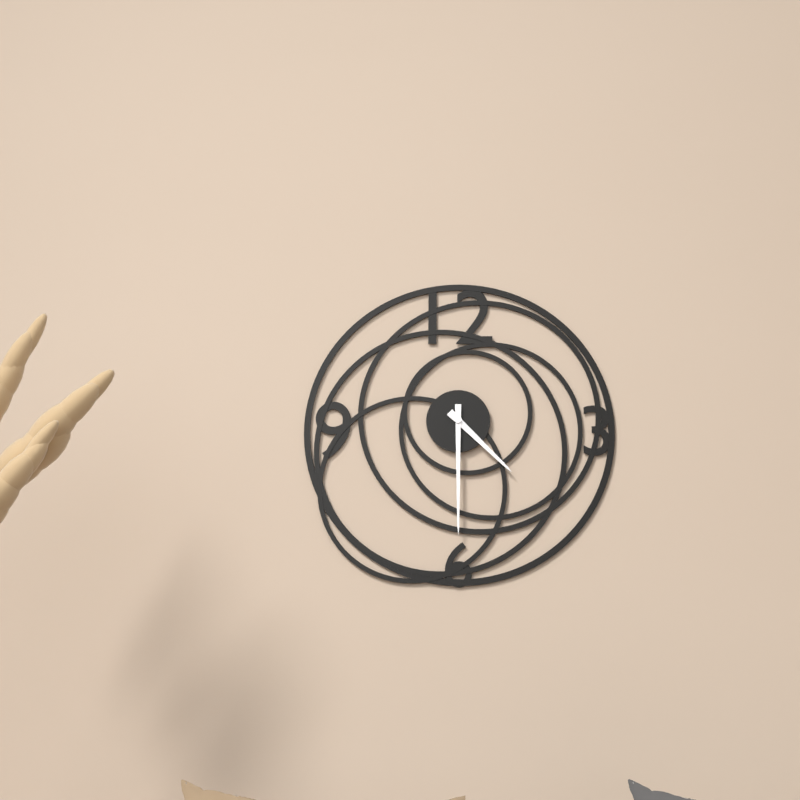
4:30
